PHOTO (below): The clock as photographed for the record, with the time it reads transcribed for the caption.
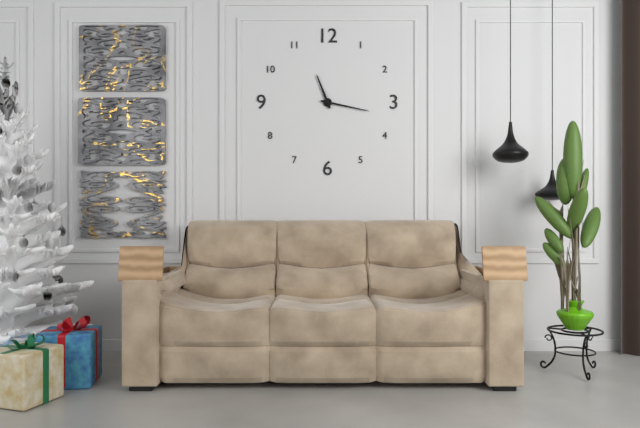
11:17
